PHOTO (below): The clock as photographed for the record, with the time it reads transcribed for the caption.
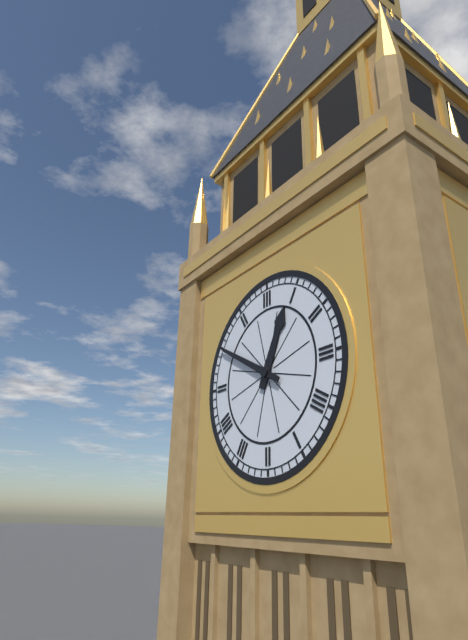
12:50
